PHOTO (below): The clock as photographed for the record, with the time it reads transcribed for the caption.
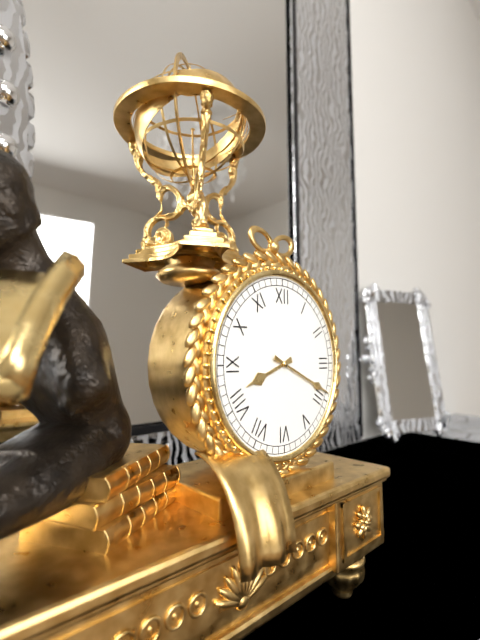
8:19
